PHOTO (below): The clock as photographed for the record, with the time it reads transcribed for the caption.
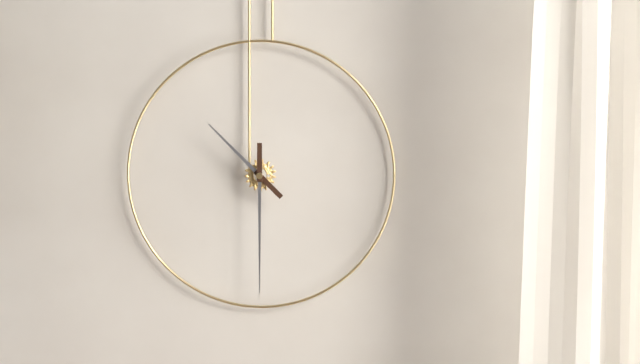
10:30
